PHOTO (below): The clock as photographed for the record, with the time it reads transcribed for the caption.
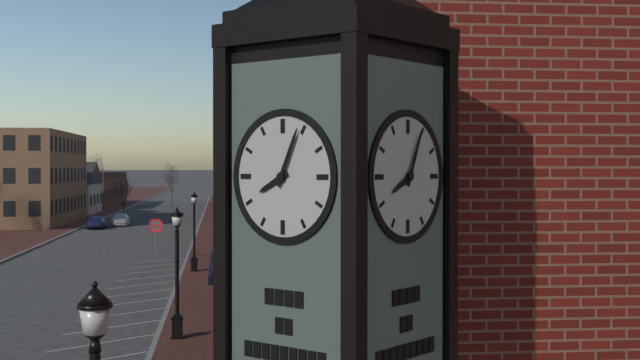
8:04
